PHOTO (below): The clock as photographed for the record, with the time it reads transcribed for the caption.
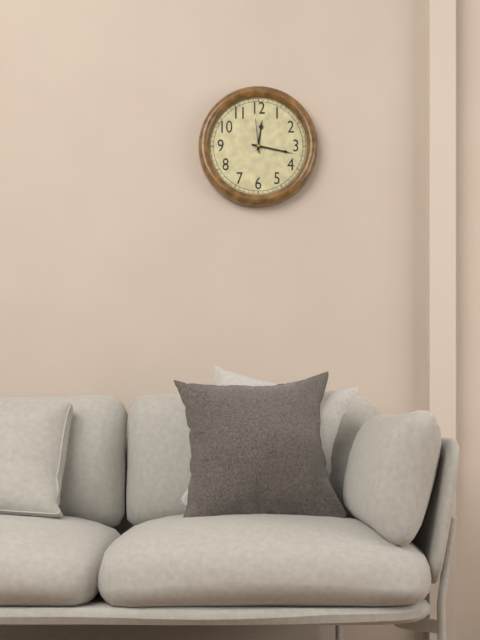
12:17
